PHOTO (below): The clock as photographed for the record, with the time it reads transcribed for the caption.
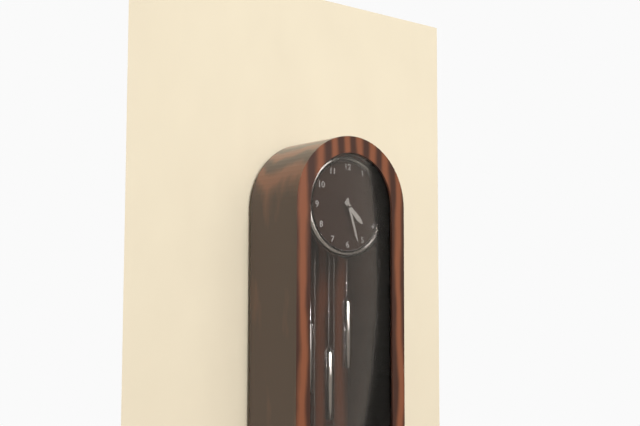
4:27
